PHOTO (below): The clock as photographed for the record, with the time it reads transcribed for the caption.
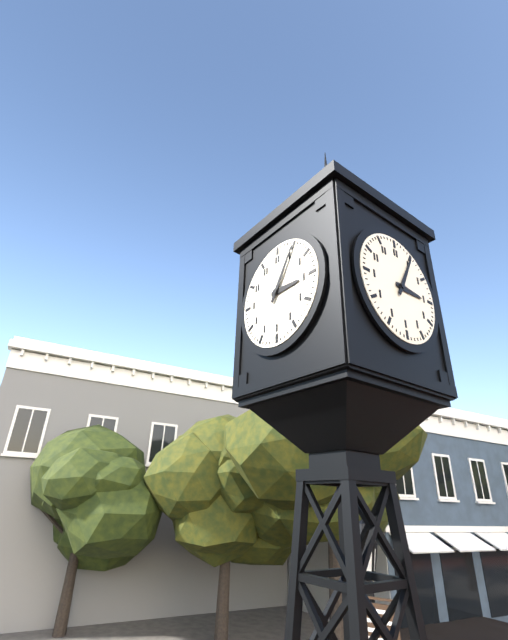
3:05
